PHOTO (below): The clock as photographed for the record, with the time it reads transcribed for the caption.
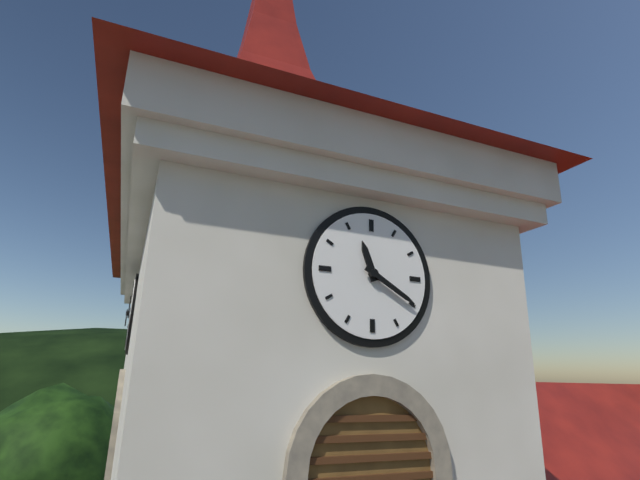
11:20
